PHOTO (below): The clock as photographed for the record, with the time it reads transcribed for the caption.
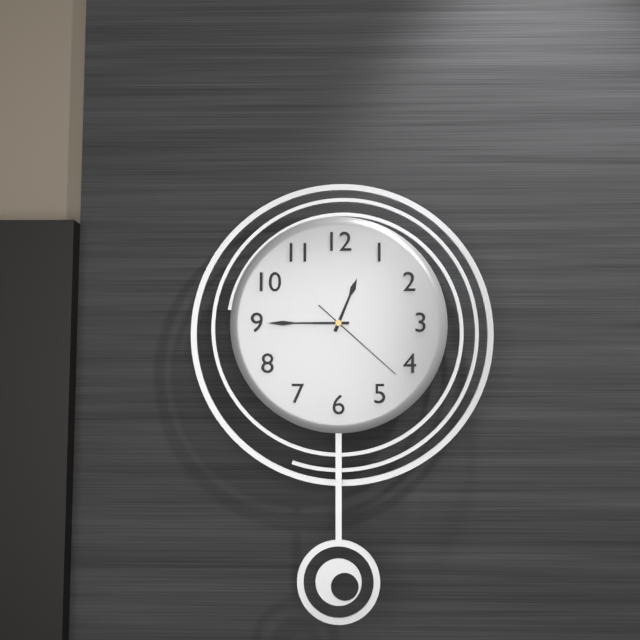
12:45:22
